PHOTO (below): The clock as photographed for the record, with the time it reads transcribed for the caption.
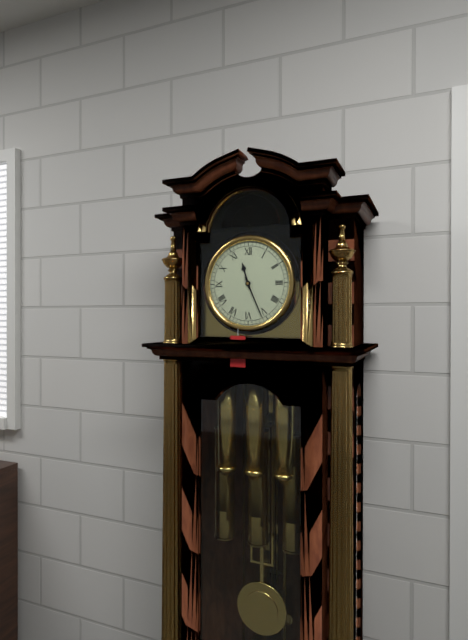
11:26
